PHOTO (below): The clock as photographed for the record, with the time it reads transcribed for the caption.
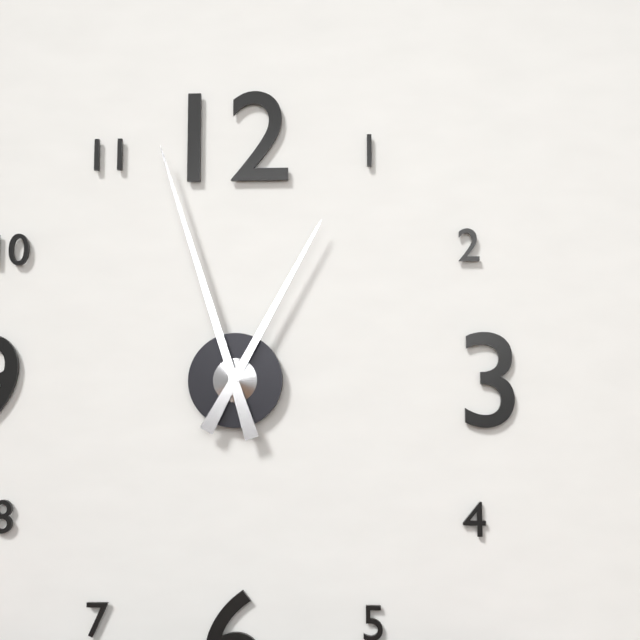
12:57
